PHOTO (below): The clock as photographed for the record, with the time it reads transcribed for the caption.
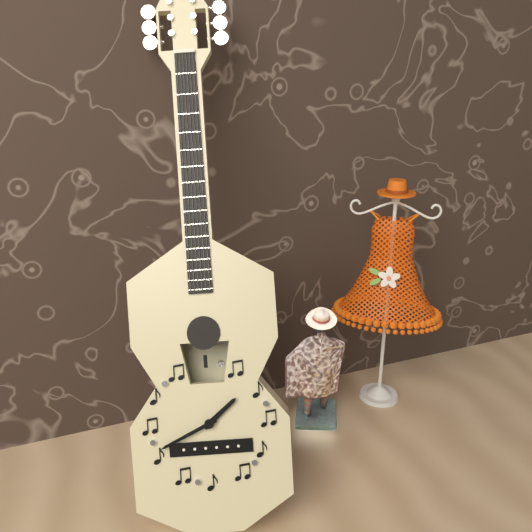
1:41
